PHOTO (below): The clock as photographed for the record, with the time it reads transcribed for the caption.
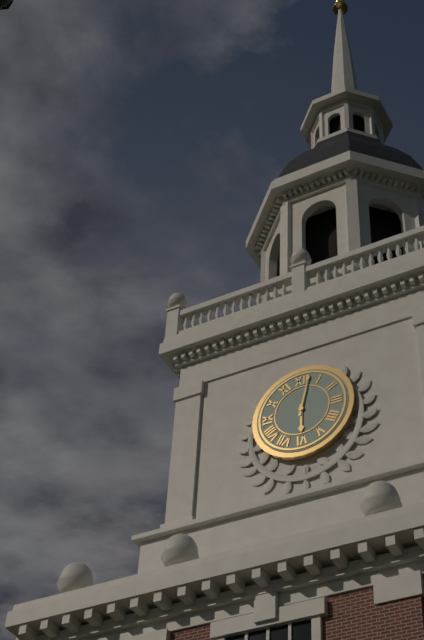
6:02
